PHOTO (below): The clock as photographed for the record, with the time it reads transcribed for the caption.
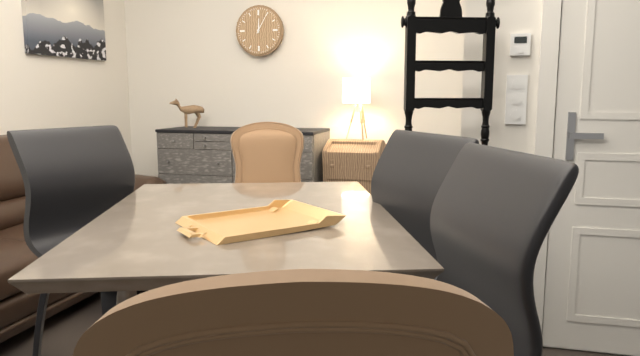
12:05
